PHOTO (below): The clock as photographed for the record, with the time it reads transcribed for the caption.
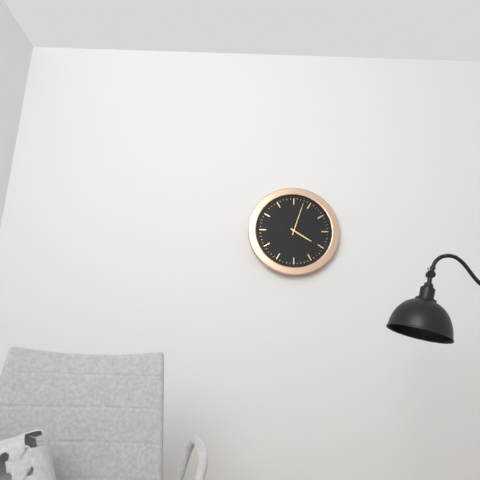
4:03
